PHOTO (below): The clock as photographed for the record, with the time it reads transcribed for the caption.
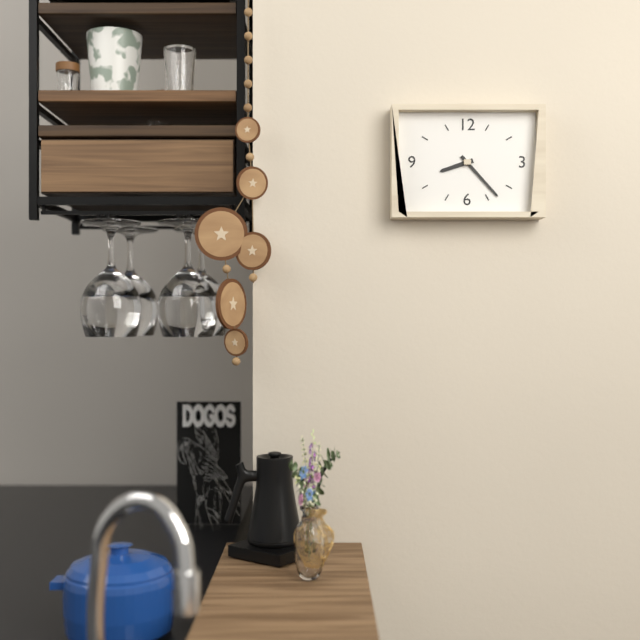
8:23
